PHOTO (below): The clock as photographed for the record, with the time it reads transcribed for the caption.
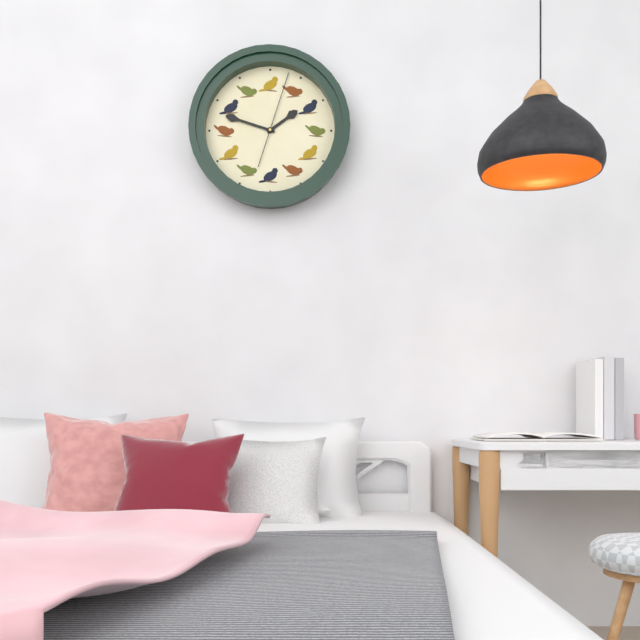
1:48:03
